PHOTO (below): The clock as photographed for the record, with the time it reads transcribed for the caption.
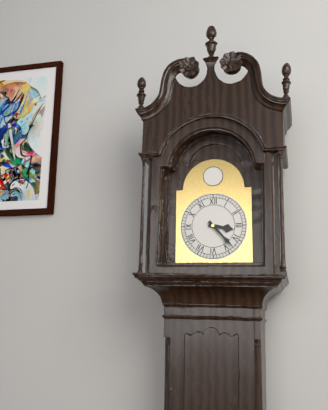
3:23
